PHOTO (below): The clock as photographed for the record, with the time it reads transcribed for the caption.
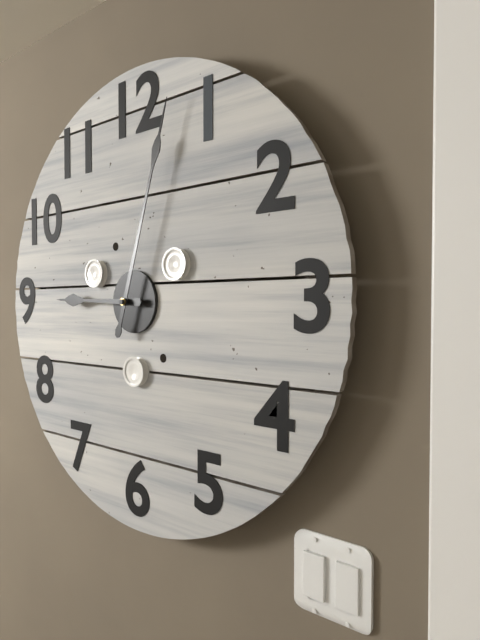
9:03
